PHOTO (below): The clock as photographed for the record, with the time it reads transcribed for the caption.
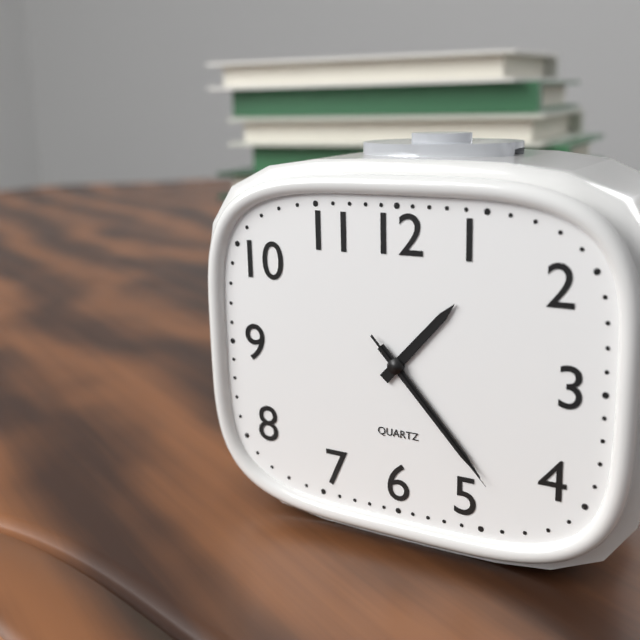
1:23:23
